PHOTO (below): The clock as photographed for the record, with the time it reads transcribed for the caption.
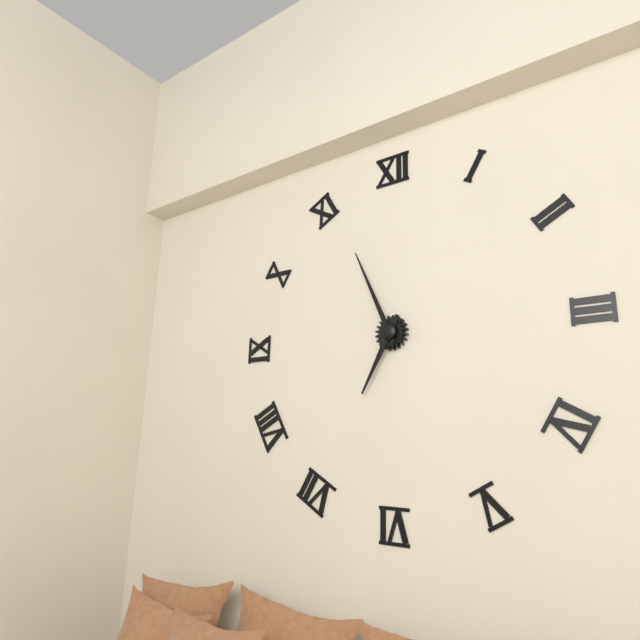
6:56
